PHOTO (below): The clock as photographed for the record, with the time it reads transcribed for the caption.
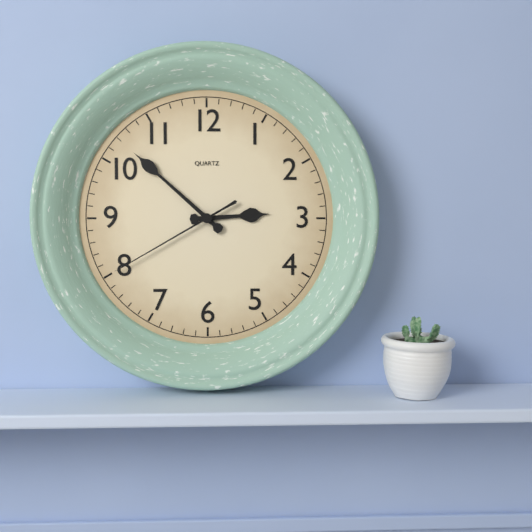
2:52:40
